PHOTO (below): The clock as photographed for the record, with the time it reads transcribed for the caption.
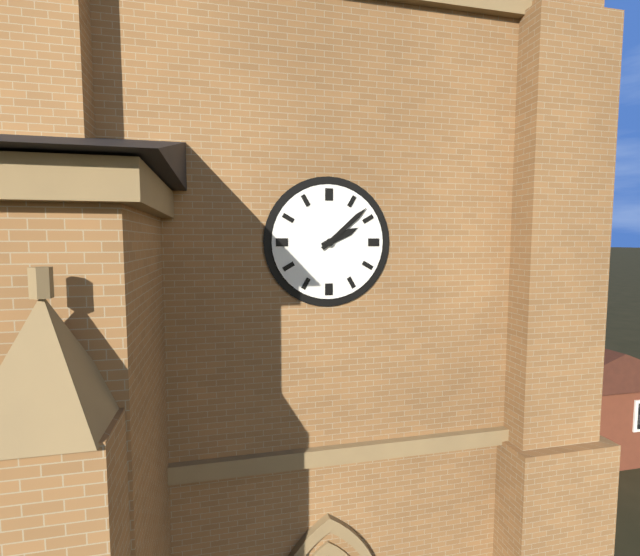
2:08
